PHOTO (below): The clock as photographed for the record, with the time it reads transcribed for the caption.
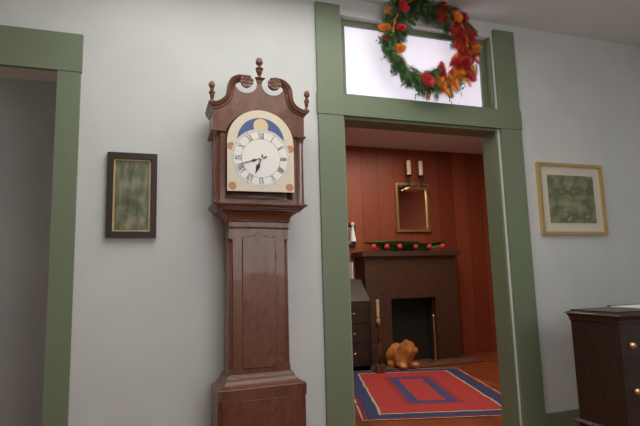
6:42
